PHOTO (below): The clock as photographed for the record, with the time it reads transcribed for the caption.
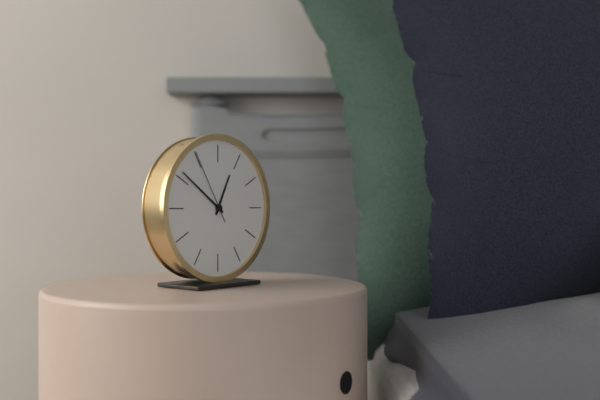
12:51:55
